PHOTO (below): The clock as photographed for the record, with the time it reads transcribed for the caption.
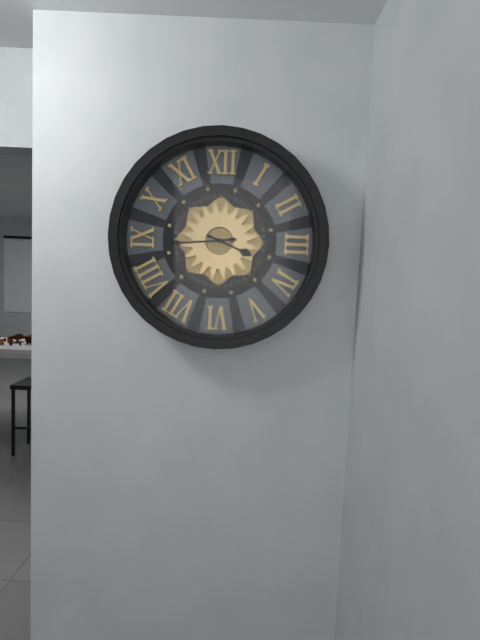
3:44
